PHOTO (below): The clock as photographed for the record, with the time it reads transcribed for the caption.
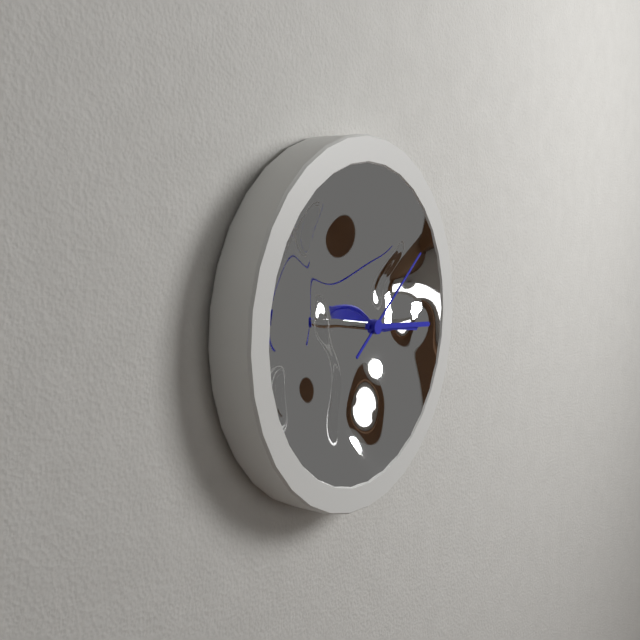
3:16:09
